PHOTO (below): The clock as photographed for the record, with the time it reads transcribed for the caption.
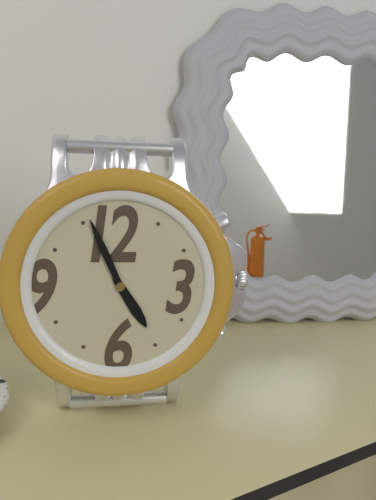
4:56
